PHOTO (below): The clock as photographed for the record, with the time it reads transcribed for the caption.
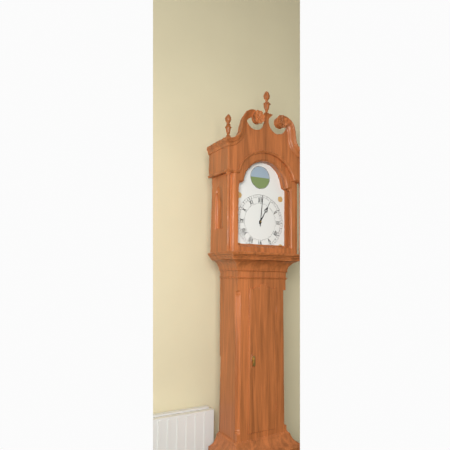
1:01
